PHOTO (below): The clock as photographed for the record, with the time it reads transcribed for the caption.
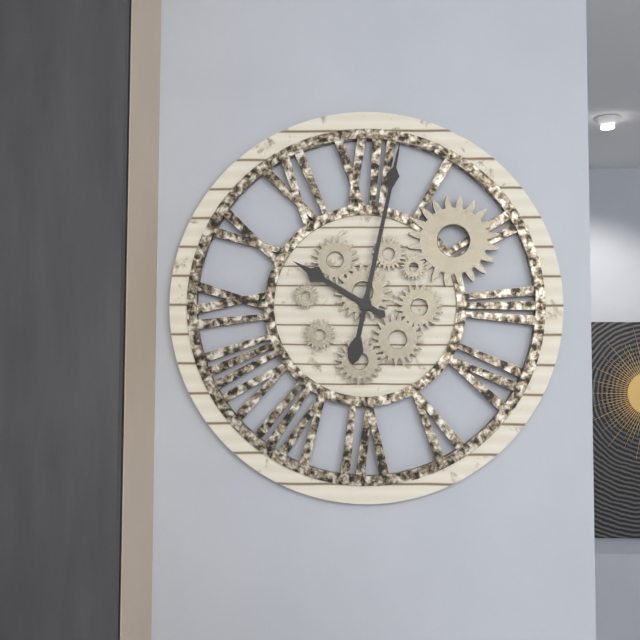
10:02
